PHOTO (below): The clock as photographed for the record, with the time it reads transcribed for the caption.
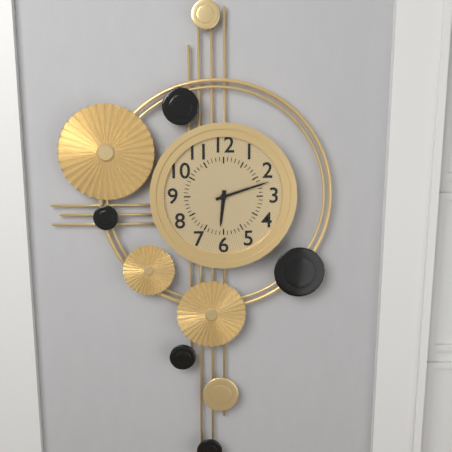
6:12
